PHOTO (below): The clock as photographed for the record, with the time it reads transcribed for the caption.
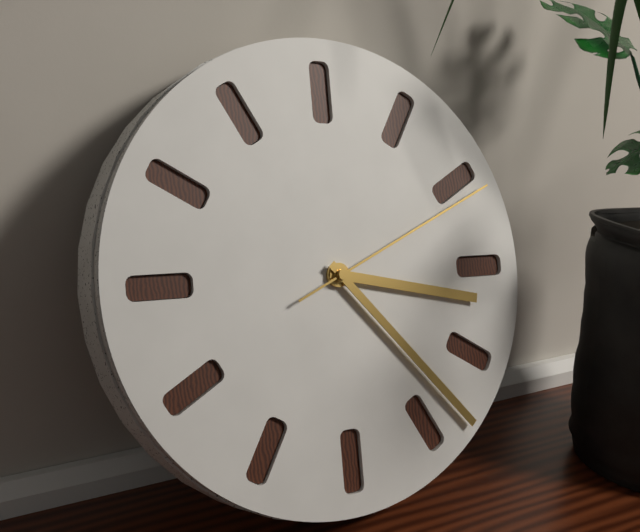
3:23:11
